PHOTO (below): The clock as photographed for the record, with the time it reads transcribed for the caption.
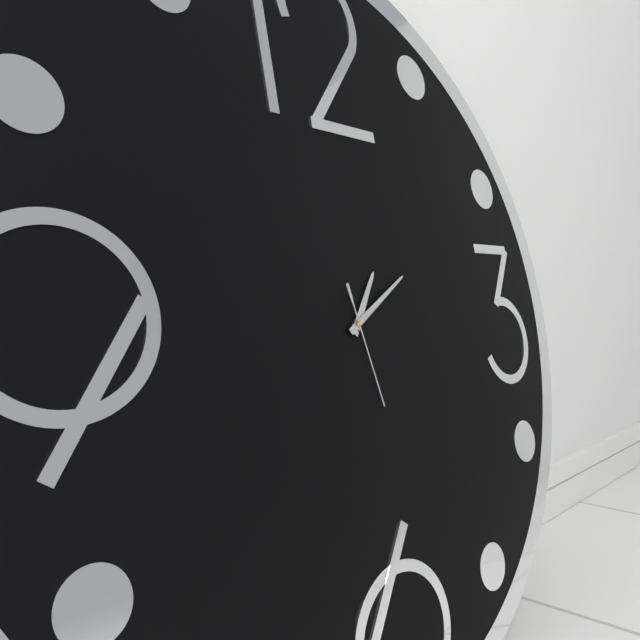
1:10:28
